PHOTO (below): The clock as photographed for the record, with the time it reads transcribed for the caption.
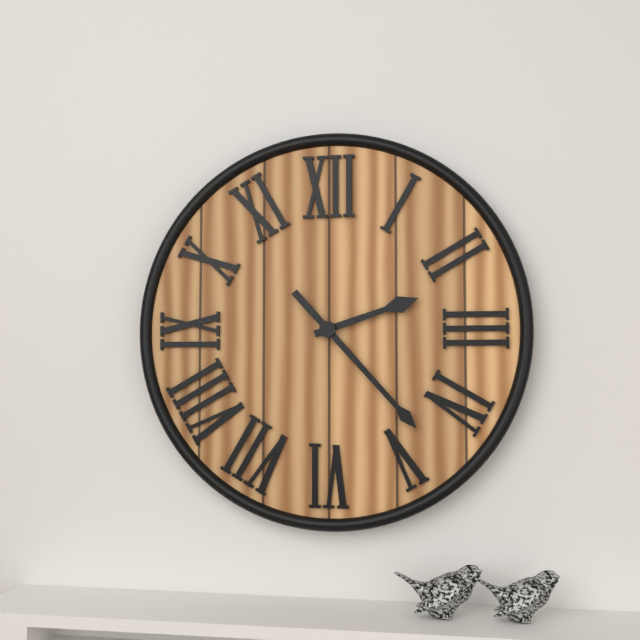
2:23
